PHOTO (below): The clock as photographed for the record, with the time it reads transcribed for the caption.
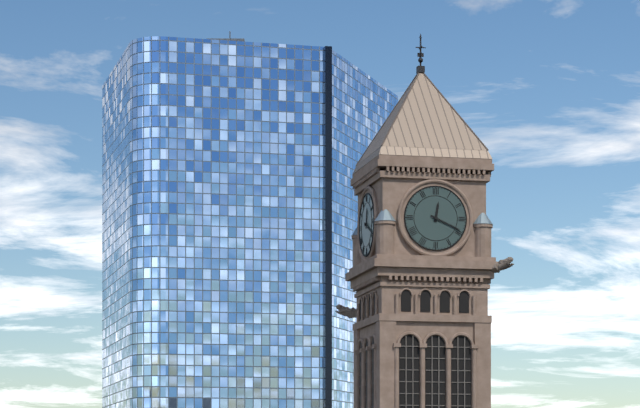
12:19
